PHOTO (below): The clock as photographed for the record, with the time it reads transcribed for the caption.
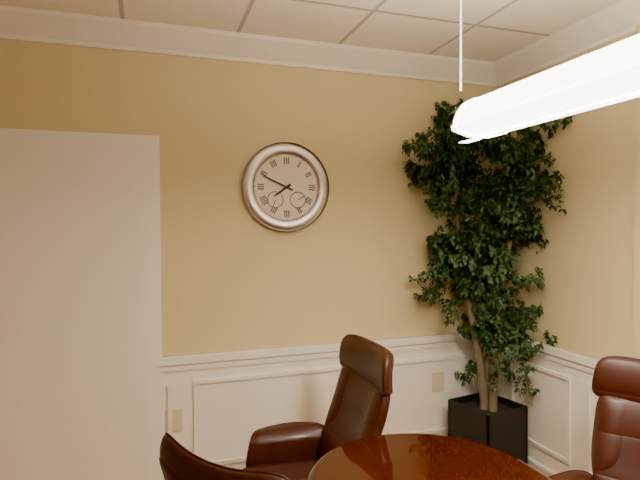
7:49
